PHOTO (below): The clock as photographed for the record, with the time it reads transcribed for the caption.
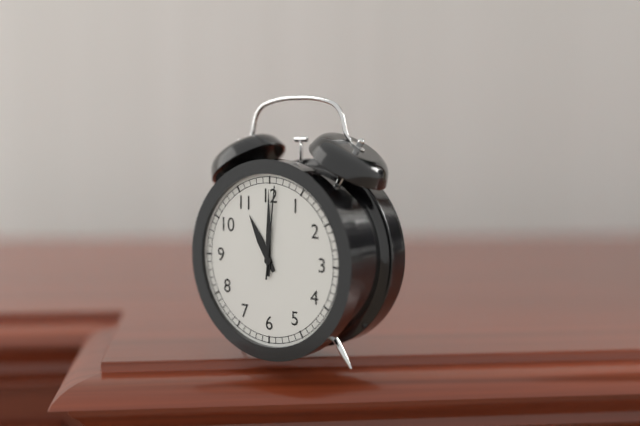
11:00:01
